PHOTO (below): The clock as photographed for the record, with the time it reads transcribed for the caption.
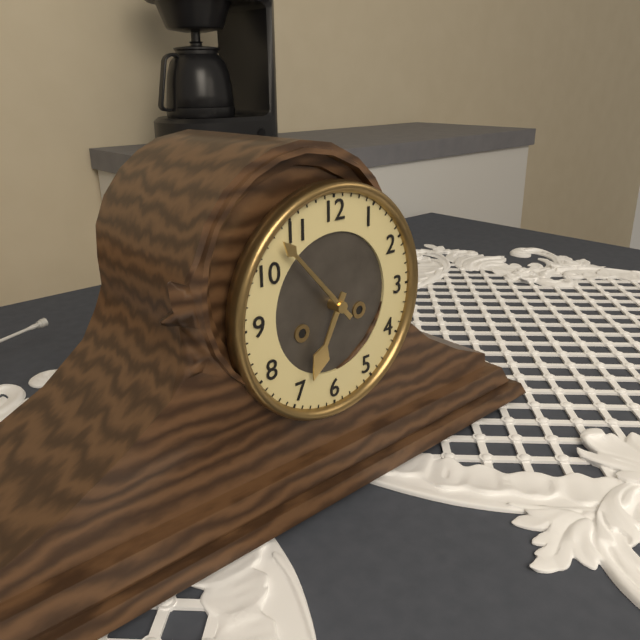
6:53
